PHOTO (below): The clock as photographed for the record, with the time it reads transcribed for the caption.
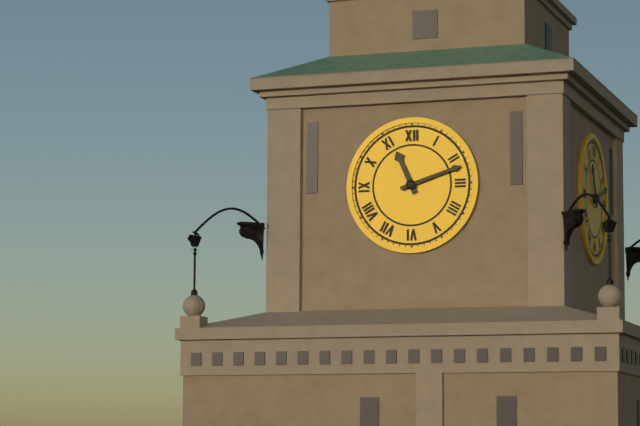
11:12
